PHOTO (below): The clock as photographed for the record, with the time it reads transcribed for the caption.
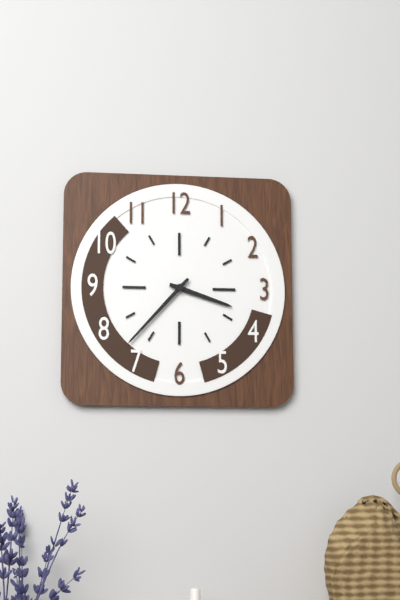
3:37
